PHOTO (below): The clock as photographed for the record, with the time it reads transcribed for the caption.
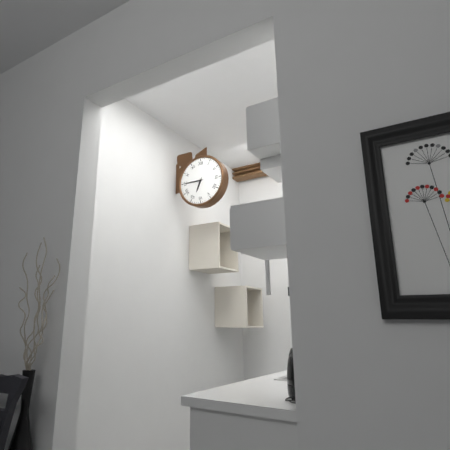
6:45
